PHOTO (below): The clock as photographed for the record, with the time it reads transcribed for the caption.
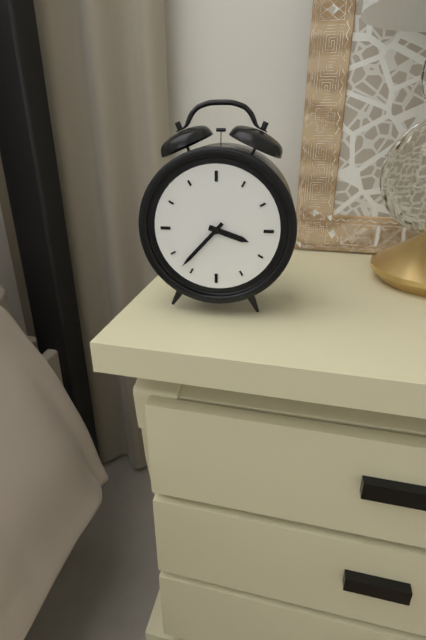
3:37
